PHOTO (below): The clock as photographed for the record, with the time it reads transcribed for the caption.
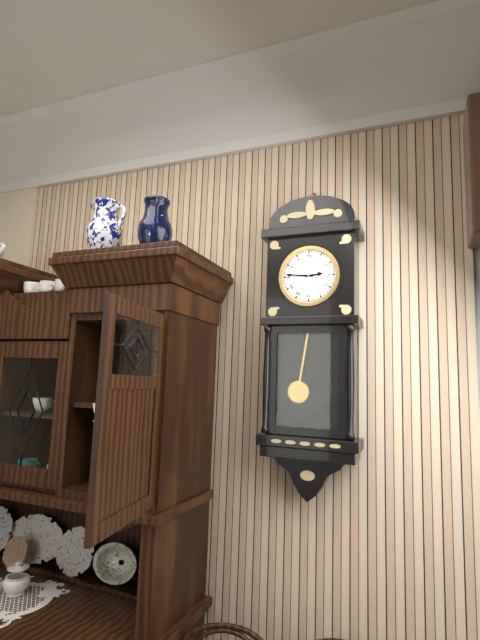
2:46
